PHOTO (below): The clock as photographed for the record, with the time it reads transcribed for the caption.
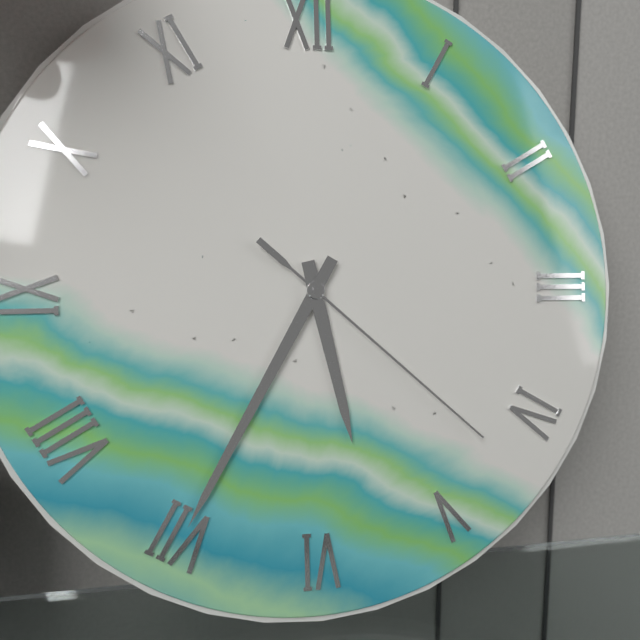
5:35:22
